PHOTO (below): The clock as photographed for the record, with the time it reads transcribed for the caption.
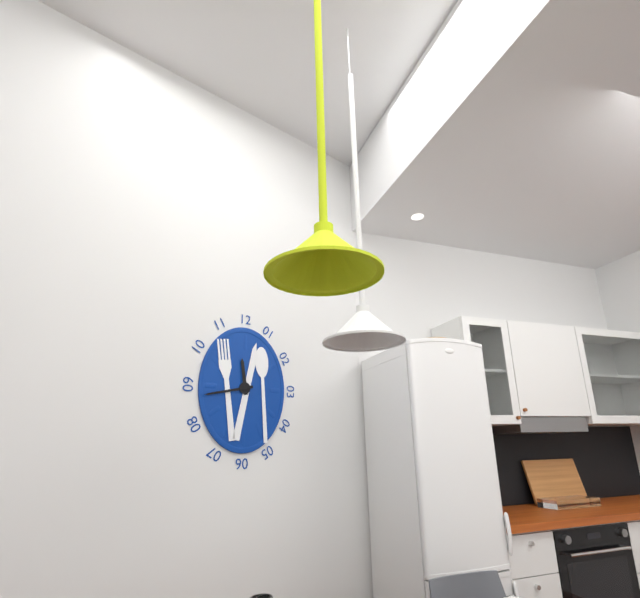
11:43
